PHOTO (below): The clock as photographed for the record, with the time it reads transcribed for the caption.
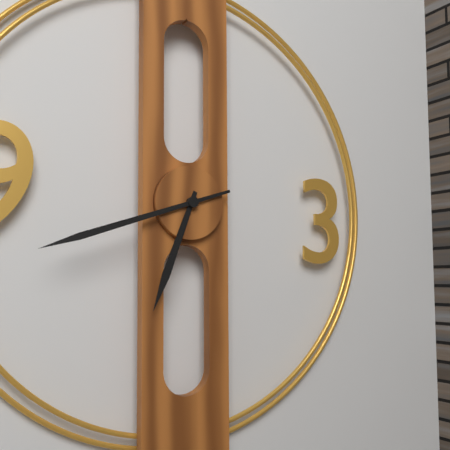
6:42
